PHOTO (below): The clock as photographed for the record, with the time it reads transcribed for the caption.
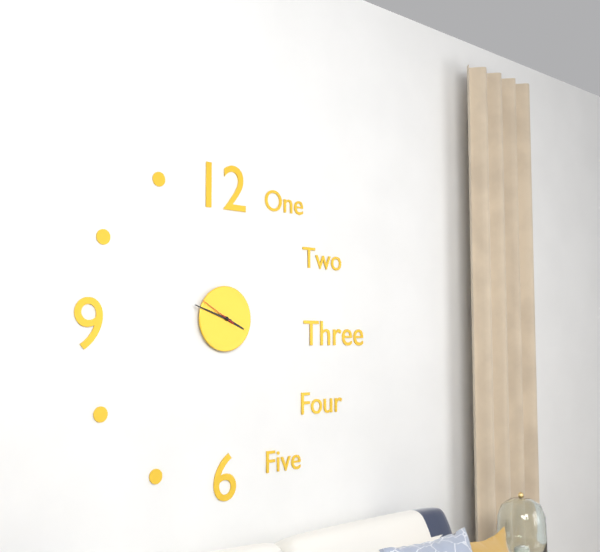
3:48
